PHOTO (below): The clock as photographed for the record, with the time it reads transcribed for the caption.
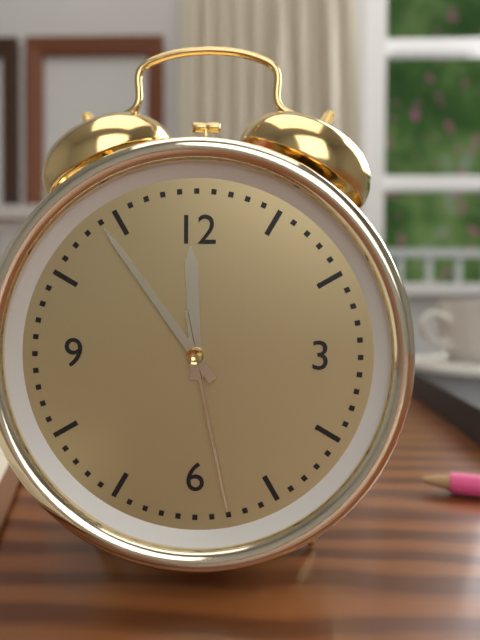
11:54:28
